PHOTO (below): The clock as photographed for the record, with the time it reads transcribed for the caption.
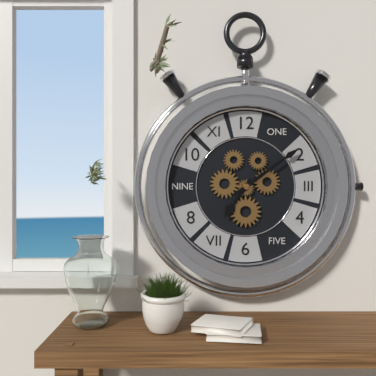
7:09
